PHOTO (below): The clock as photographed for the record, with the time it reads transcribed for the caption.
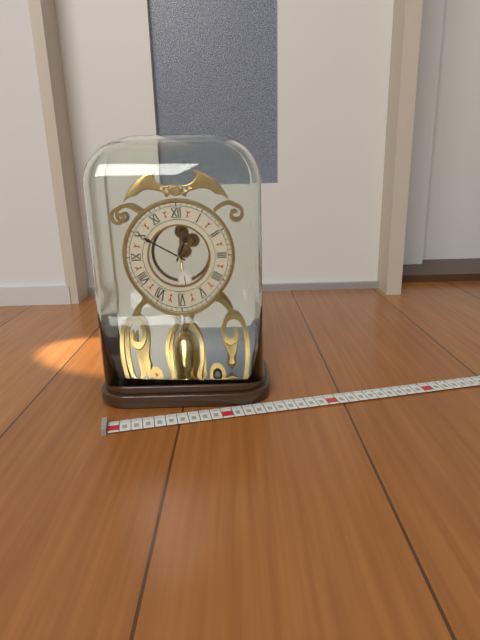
12:50
